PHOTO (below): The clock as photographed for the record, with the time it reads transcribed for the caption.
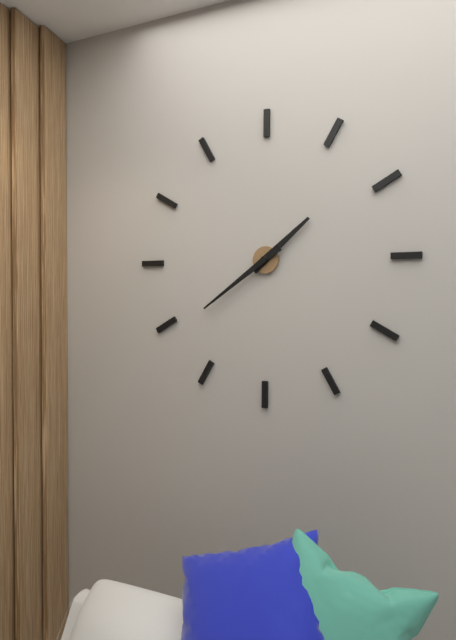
1:39
